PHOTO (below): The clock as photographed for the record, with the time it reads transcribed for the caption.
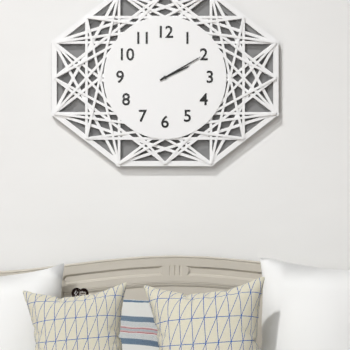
2:10
